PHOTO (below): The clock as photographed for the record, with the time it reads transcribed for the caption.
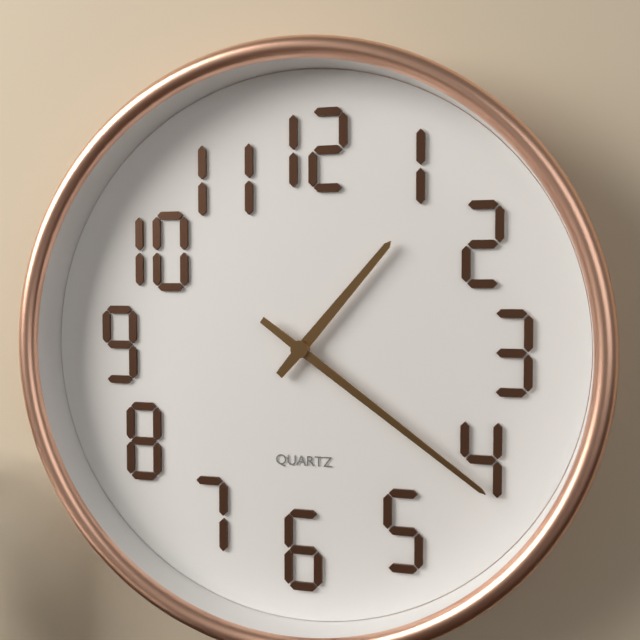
1:21
